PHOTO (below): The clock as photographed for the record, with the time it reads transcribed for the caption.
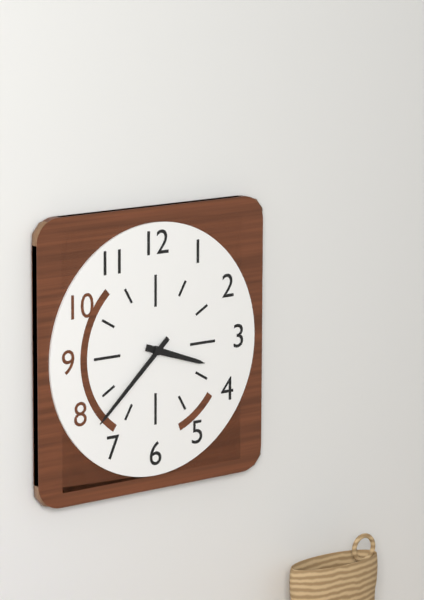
3:38
